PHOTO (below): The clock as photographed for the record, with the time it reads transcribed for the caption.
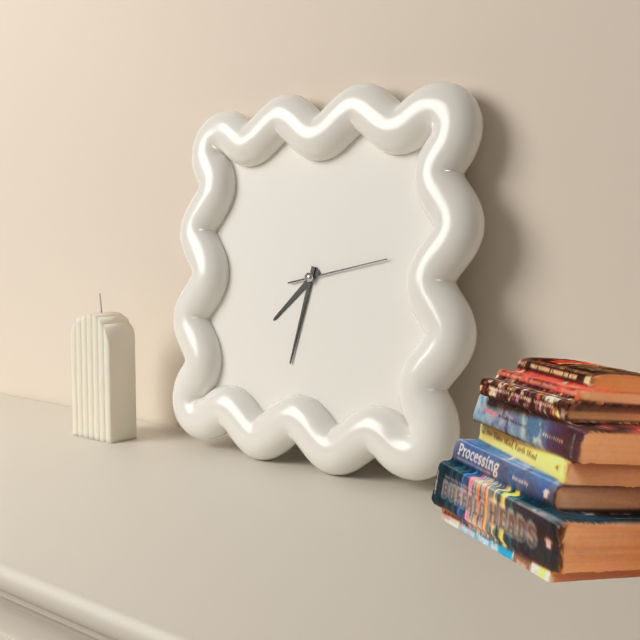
7:32:13
